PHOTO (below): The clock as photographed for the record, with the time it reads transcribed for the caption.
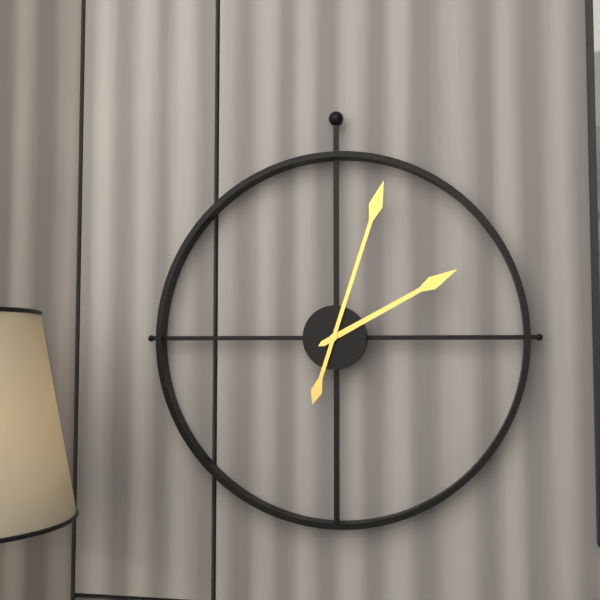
2:03
